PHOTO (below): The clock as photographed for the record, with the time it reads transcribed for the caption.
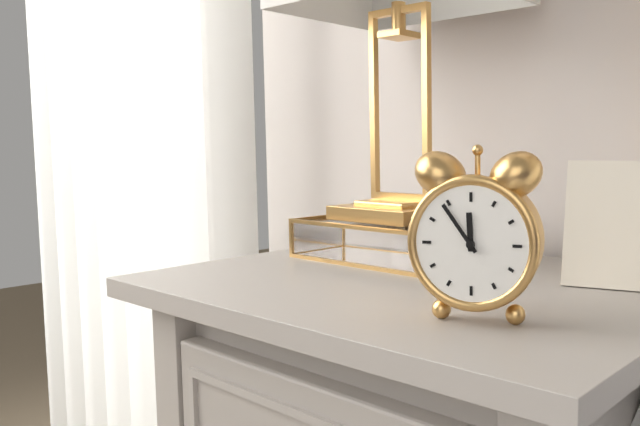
11:54
